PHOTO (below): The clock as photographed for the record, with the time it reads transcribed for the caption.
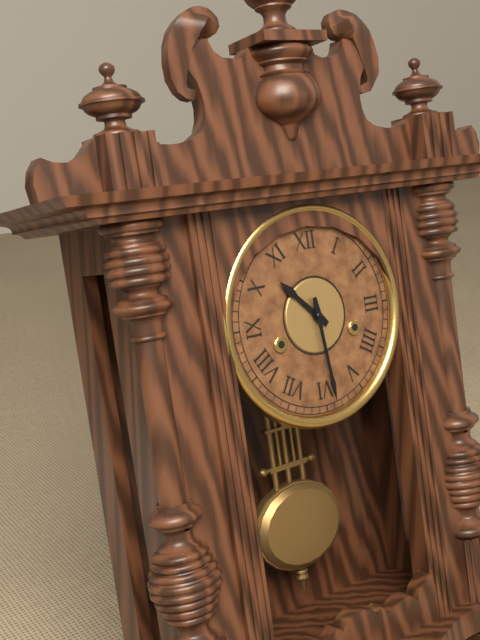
10:29
